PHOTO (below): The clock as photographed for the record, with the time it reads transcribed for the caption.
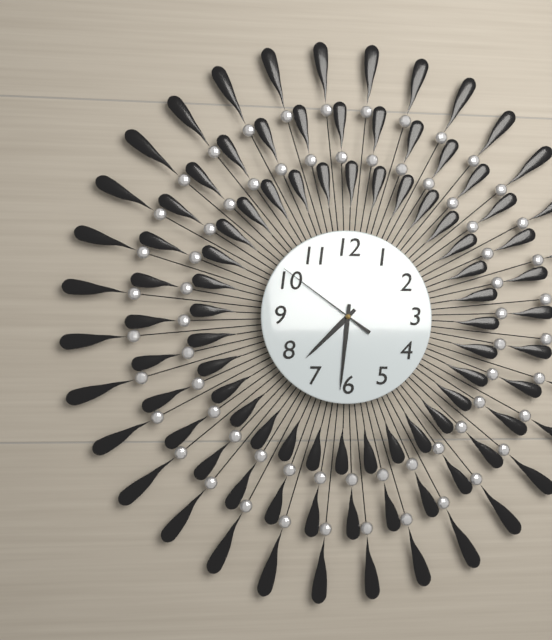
7:31:51
